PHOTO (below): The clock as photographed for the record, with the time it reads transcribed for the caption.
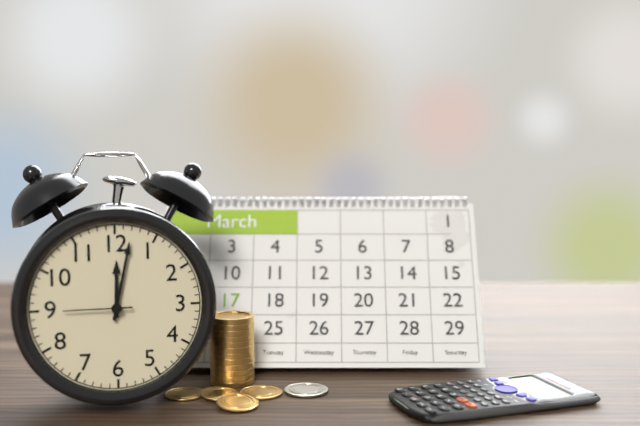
12:02:45
